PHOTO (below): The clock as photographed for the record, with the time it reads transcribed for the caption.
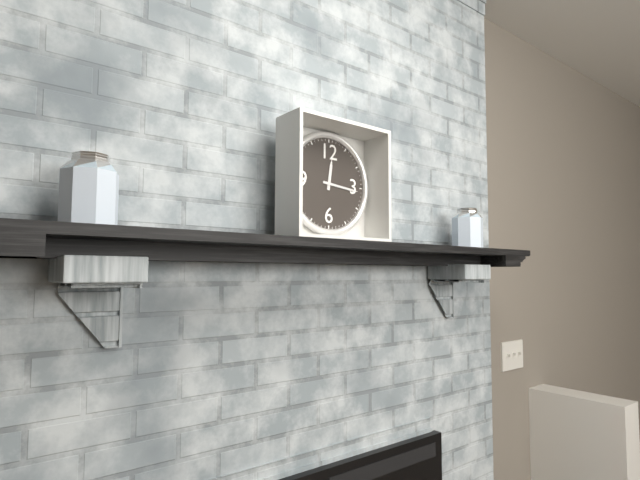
12:16
